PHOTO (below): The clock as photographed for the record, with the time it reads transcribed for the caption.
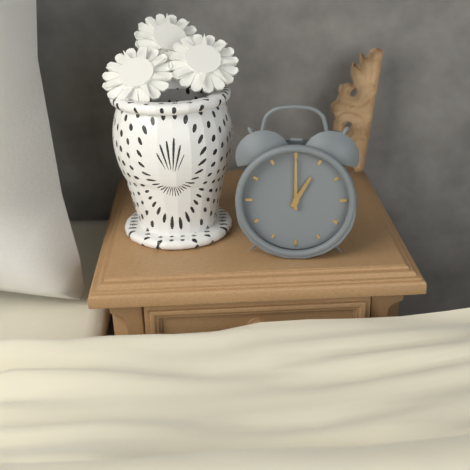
1:00
